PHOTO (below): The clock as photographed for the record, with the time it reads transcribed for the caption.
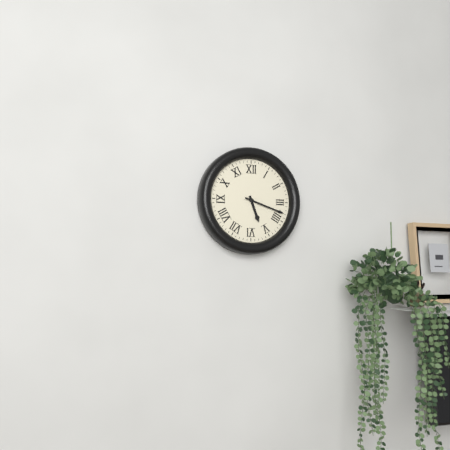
5:18
